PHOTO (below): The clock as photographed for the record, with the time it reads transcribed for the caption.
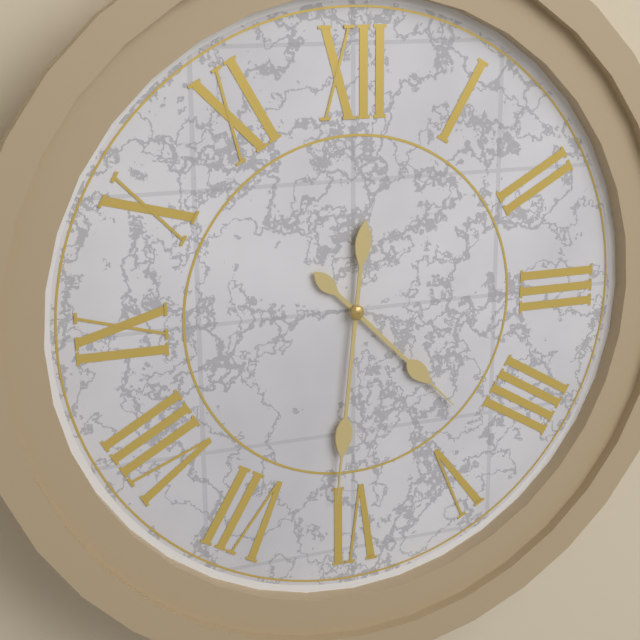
4:31
